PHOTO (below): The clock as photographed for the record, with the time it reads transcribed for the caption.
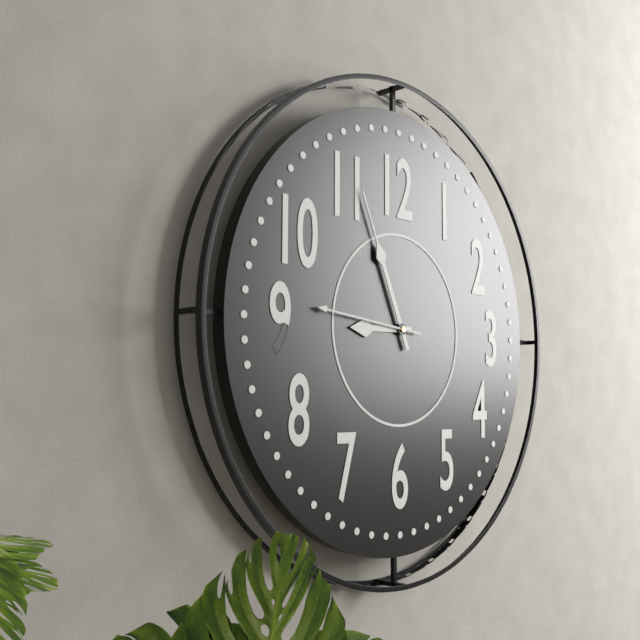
8:56:46
